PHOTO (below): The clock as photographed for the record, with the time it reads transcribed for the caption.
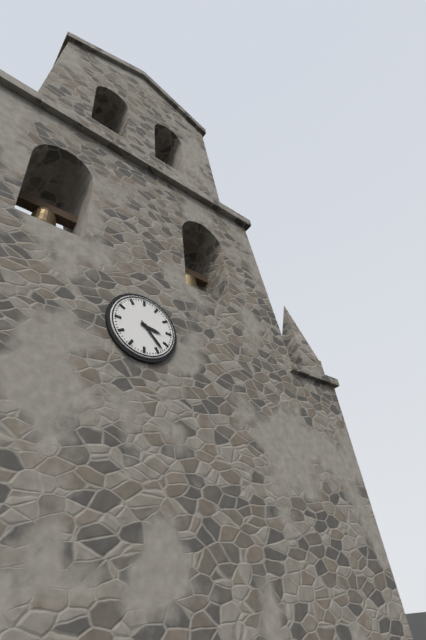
3:23
